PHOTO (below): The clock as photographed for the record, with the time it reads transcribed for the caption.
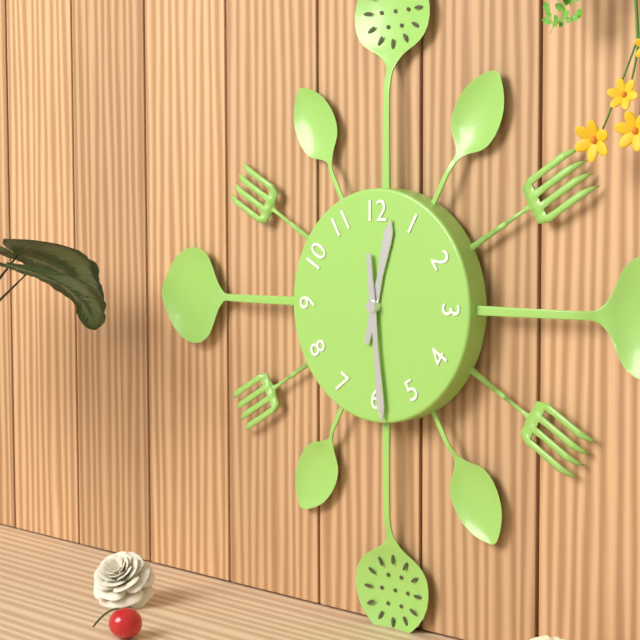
12:29
